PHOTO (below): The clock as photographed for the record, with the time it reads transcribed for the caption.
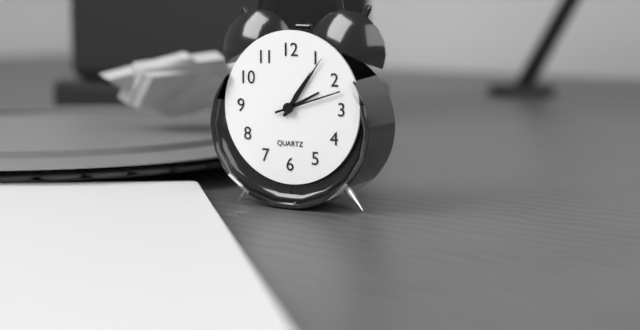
1:06:12
